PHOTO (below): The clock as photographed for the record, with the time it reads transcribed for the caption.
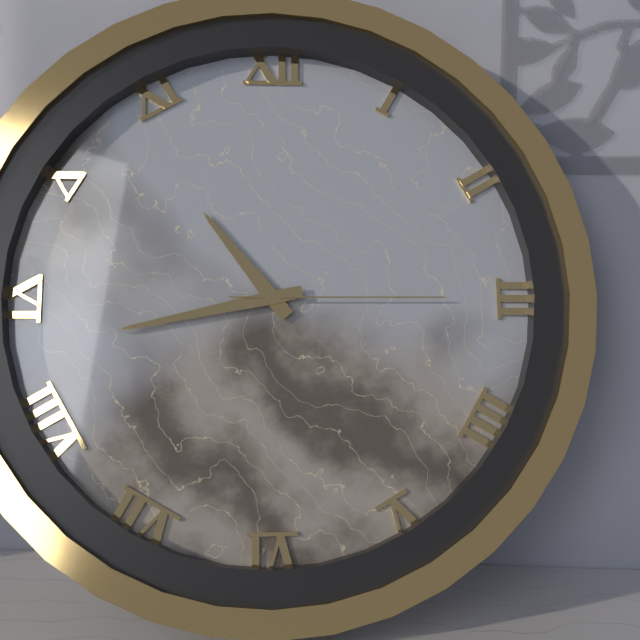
10:43:15
